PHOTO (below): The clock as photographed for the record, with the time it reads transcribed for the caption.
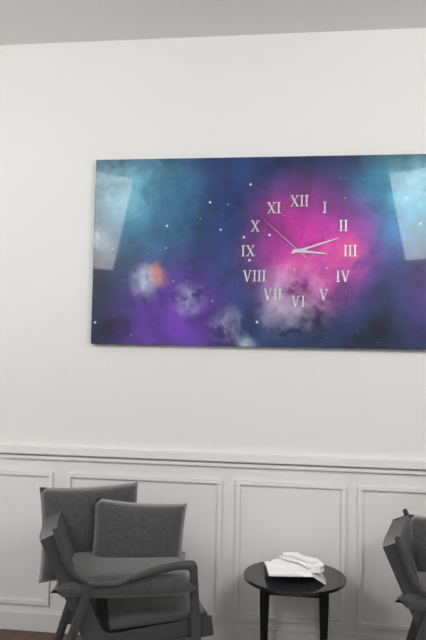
3:12:52
